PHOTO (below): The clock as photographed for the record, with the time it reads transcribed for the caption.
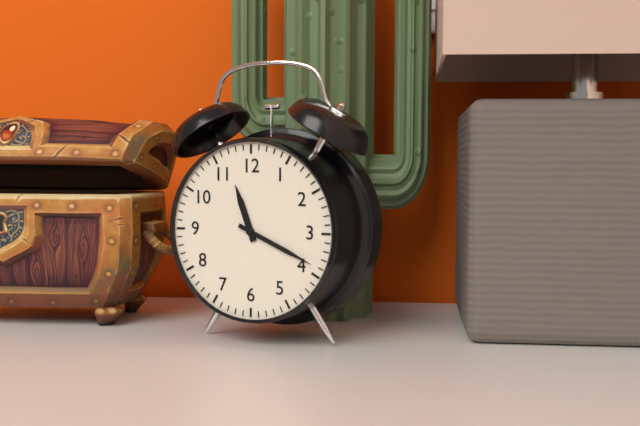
11:19
